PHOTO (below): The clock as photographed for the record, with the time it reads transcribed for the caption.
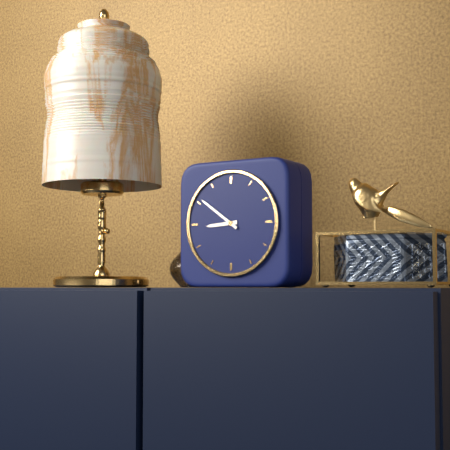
8:51
